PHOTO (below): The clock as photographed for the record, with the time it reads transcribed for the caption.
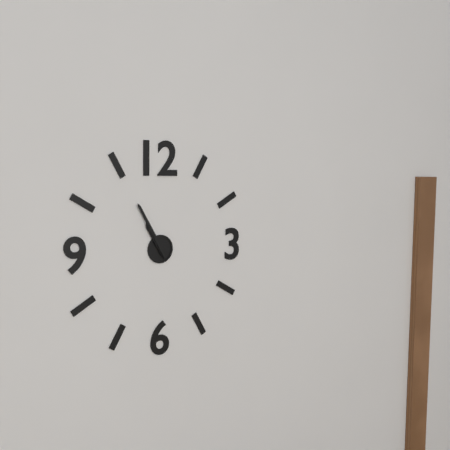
10:55
